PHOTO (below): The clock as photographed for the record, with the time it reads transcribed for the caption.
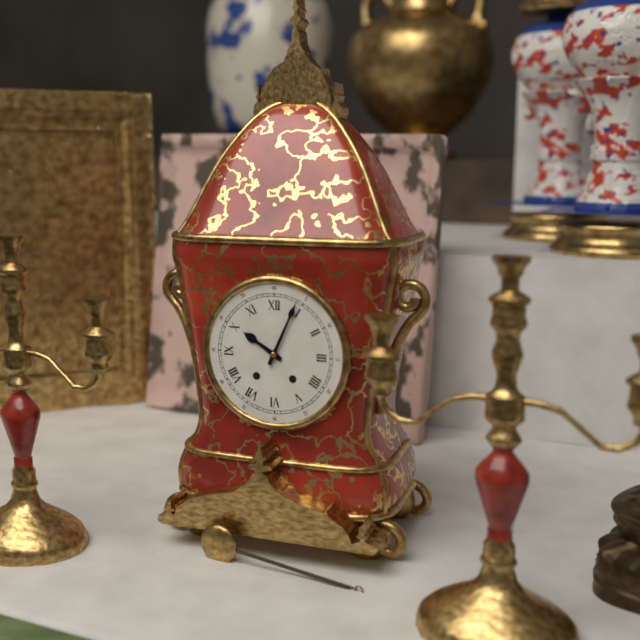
10:04
